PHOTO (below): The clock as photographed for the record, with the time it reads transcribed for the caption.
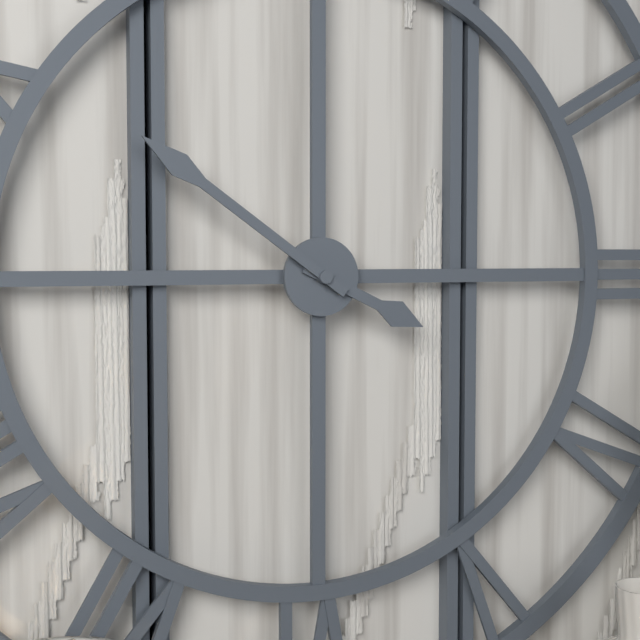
3:51
